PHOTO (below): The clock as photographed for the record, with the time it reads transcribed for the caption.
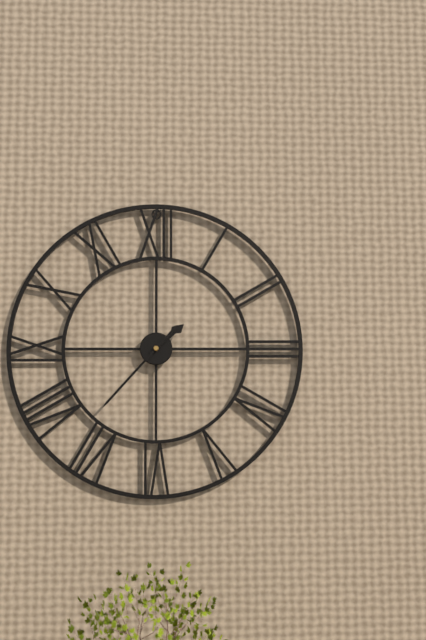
1:37
